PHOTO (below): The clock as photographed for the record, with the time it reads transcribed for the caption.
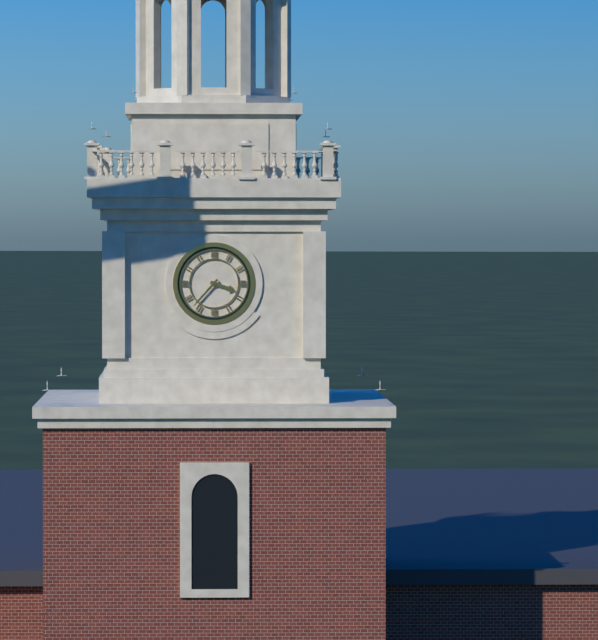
3:37
